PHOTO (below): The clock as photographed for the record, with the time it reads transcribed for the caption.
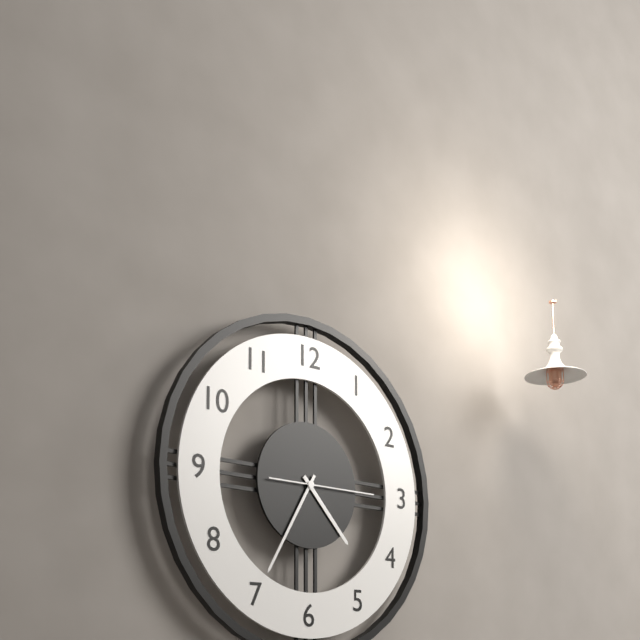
4:35:15
